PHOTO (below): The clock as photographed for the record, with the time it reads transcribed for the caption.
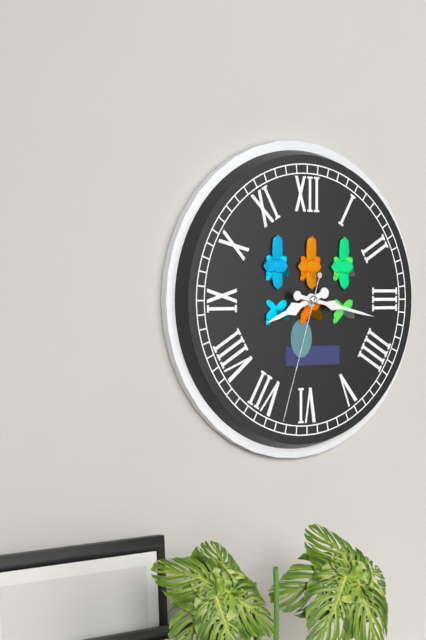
8:17:33
